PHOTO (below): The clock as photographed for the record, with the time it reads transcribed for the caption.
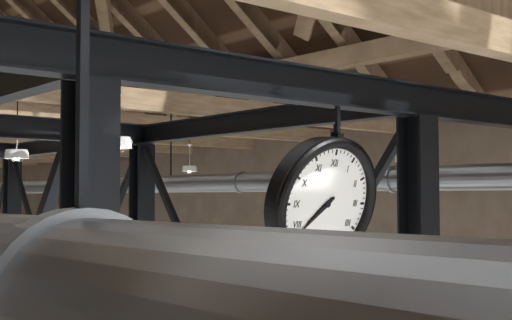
7:38
